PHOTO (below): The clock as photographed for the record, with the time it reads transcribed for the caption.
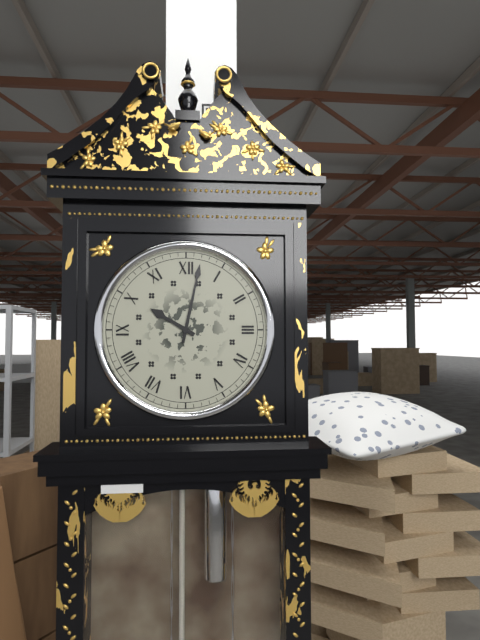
10:02
